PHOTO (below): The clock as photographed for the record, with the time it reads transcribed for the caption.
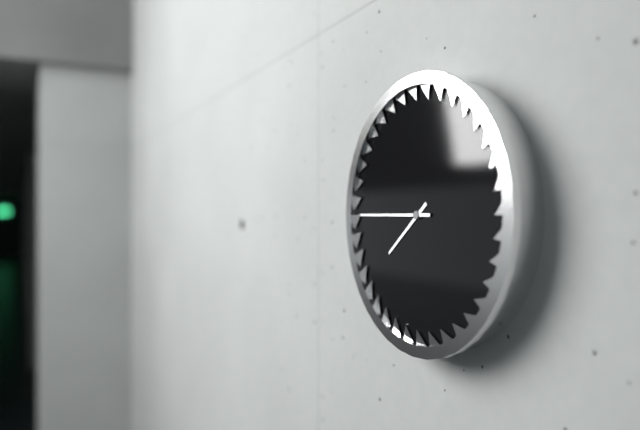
7:45
